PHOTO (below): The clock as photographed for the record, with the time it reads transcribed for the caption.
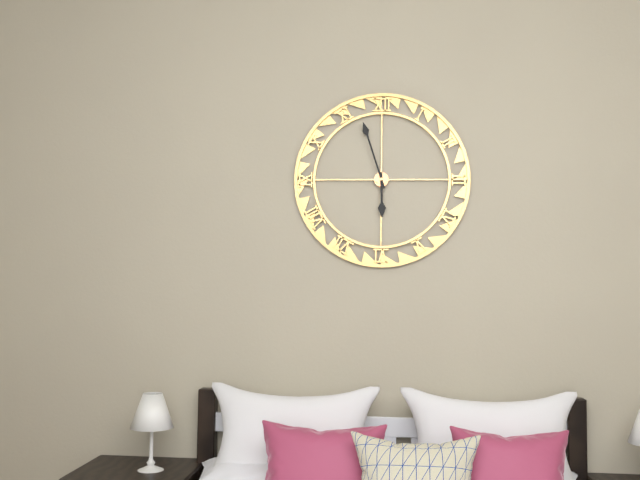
5:57
